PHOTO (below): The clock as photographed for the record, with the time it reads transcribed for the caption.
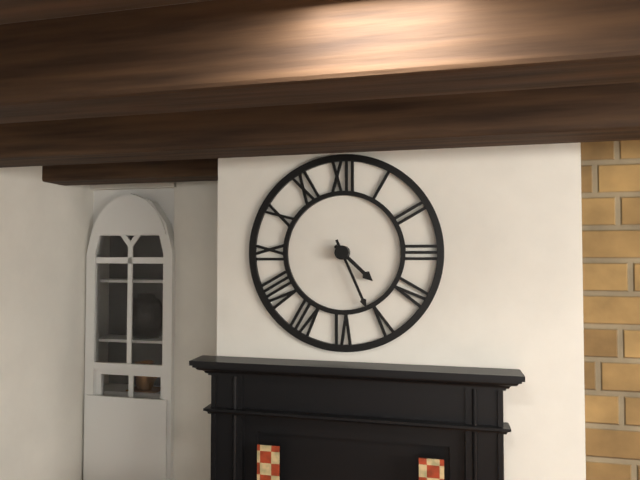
4:26
